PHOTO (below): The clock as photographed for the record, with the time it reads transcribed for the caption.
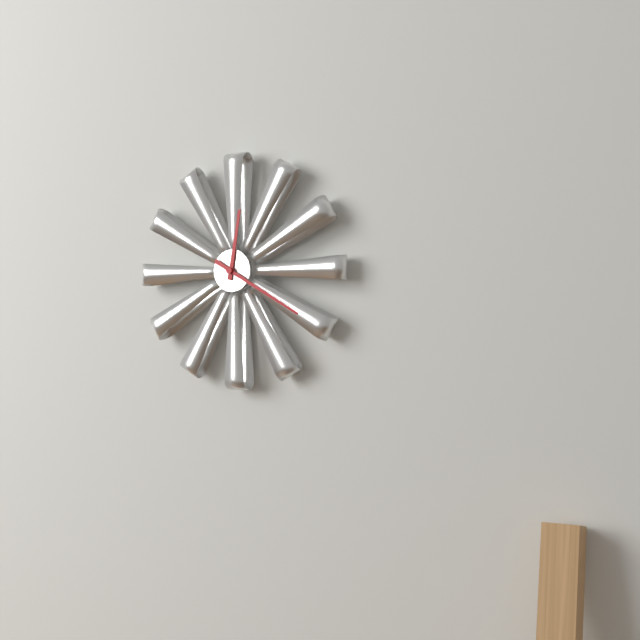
12:20
